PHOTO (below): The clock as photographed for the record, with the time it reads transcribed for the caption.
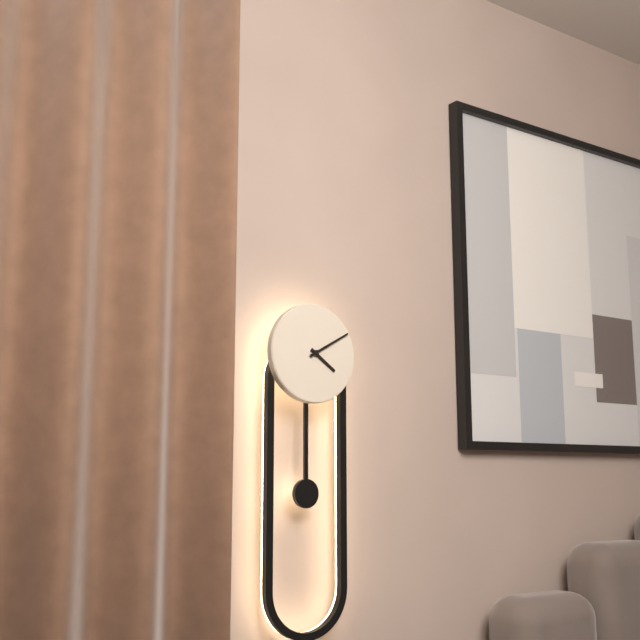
4:10
